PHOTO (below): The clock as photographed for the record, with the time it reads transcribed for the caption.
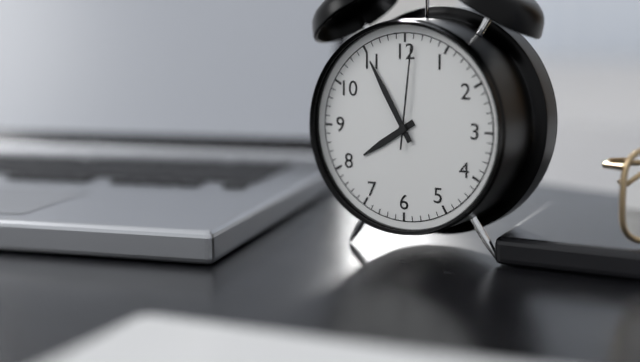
7:55:01
